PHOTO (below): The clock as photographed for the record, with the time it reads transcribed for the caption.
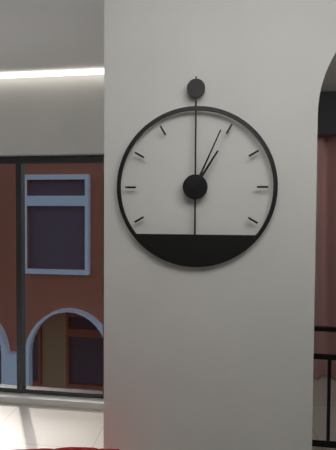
1:04
